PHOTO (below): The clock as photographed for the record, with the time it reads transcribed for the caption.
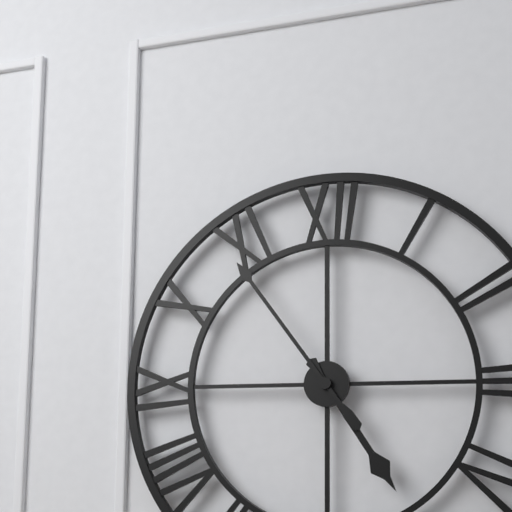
4:54
